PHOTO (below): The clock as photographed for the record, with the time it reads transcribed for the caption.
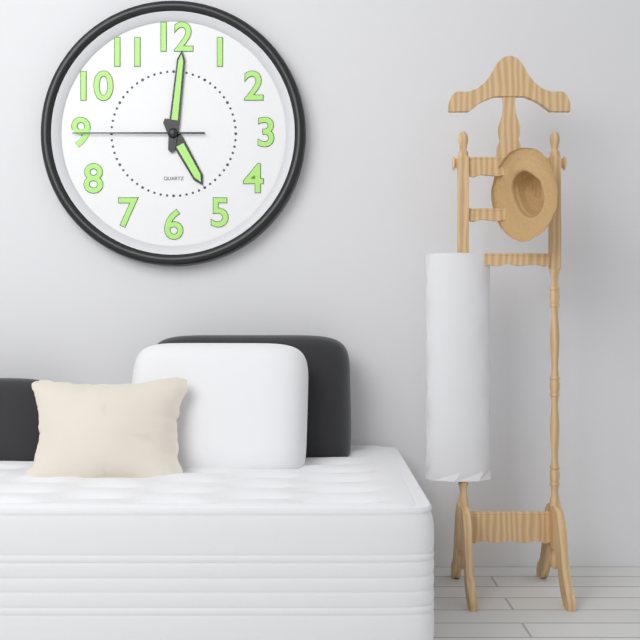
5:01:45
